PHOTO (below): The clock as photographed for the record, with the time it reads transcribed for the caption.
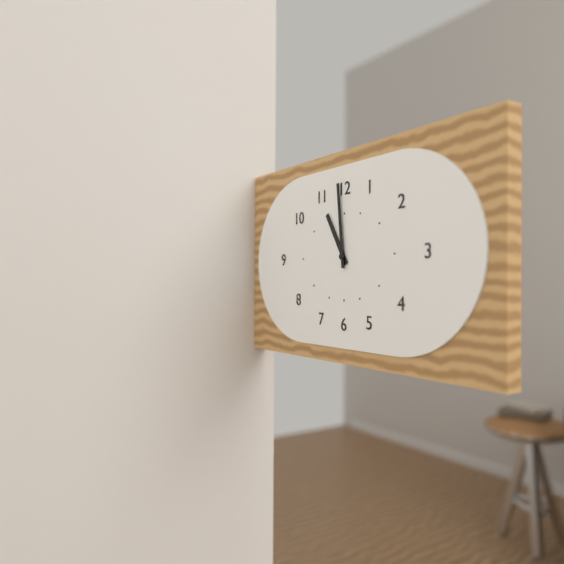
10:59
